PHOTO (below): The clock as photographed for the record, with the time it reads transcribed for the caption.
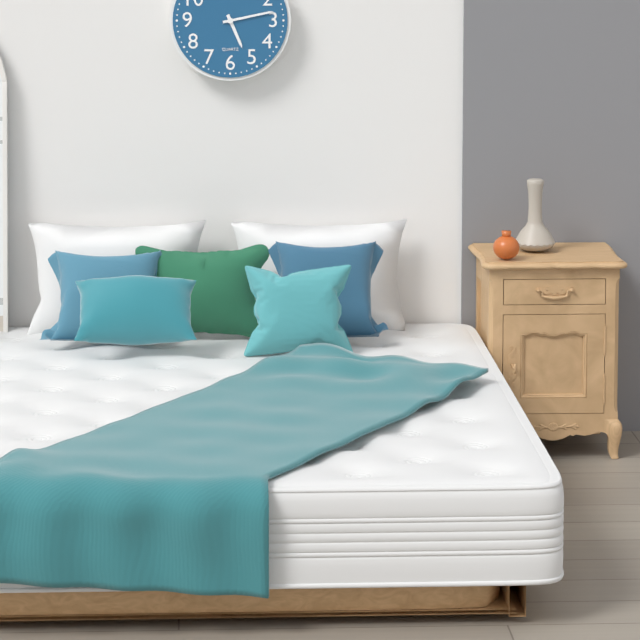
5:13
